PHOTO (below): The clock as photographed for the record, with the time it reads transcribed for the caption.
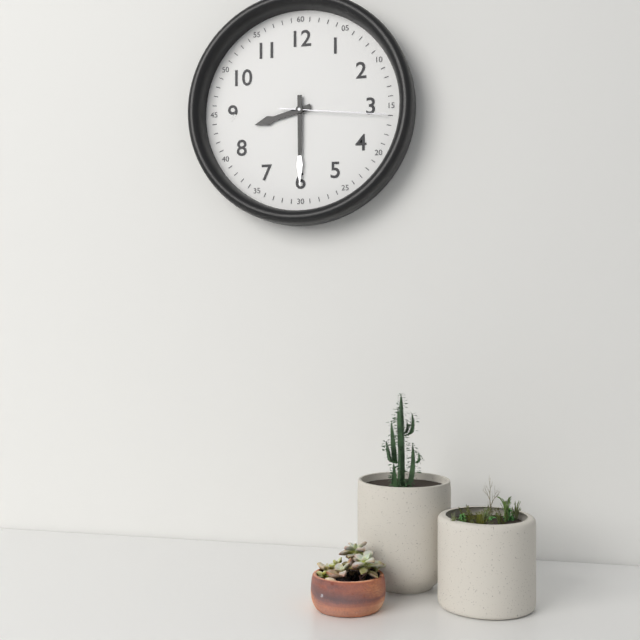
8:30:16
